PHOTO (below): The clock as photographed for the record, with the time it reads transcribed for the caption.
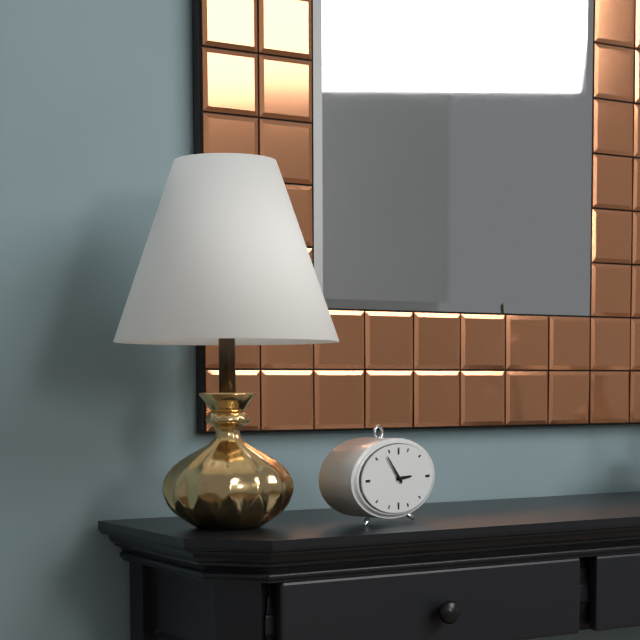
2:53
